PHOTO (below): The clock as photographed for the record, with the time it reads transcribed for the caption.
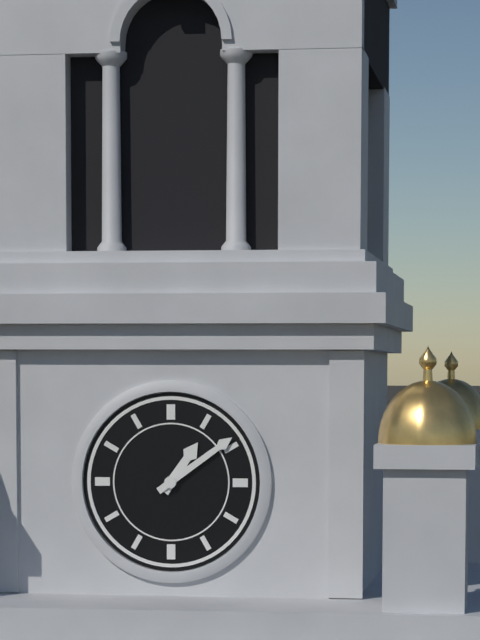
1:09
